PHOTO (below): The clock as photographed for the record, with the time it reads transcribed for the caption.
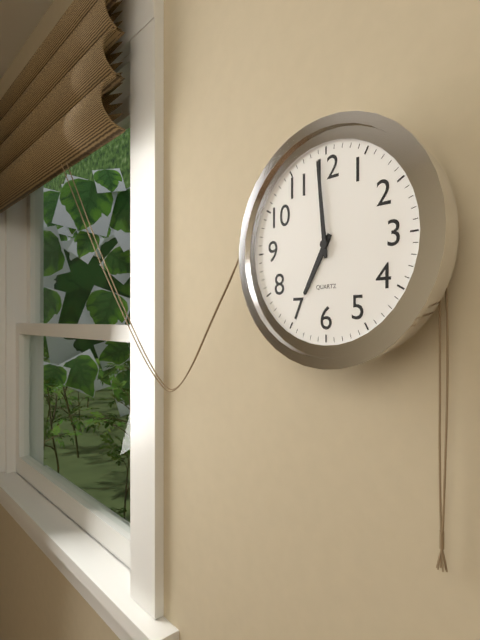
6:59
